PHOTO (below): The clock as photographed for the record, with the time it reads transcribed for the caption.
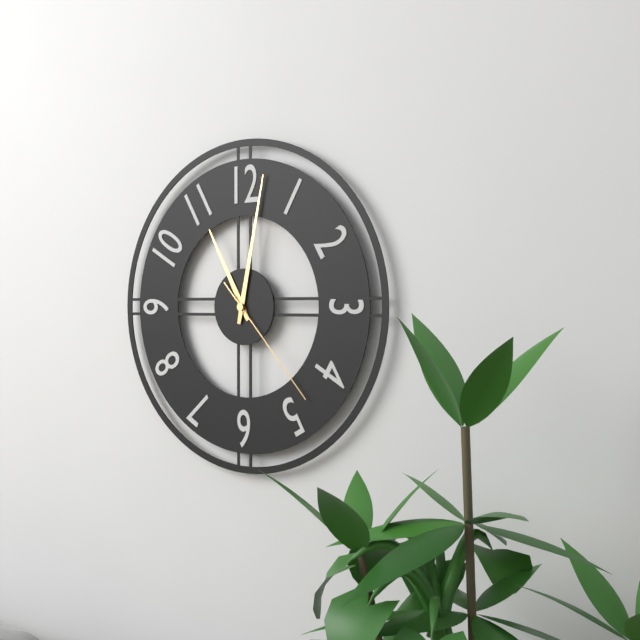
11:02:23
